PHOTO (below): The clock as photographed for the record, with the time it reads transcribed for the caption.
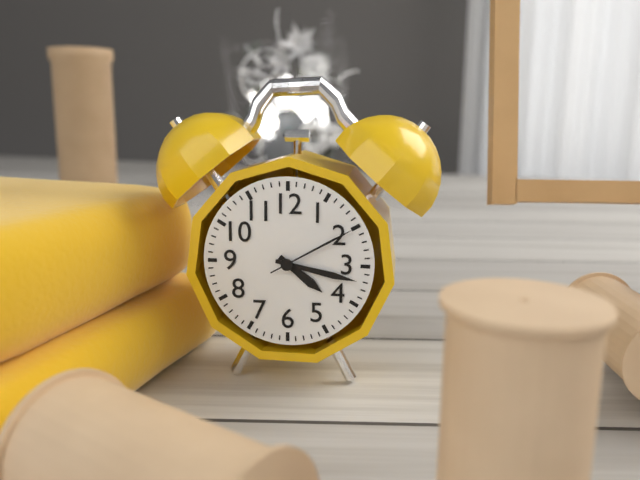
4:17:10
